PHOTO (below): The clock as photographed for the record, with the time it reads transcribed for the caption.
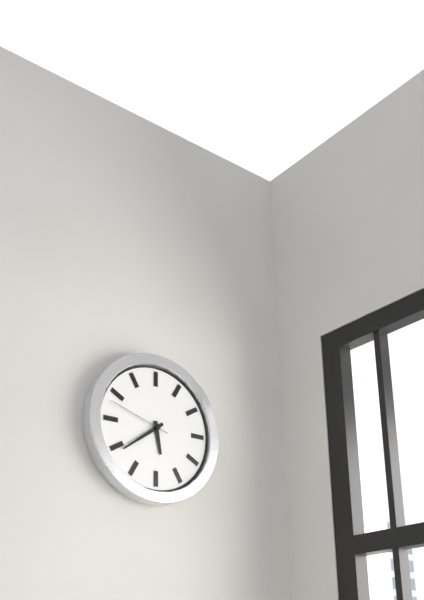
5:39:48
